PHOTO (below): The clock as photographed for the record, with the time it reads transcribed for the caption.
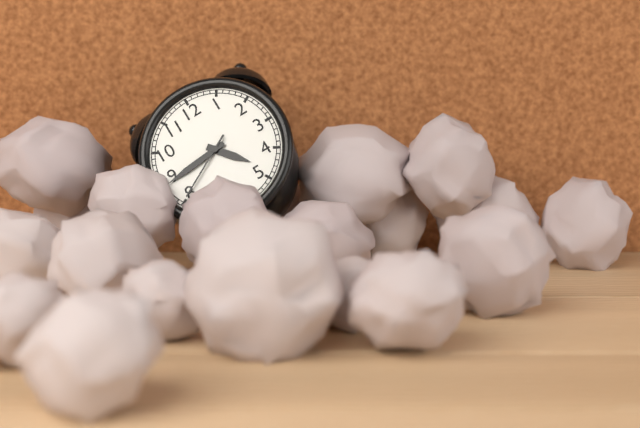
4:44:40
